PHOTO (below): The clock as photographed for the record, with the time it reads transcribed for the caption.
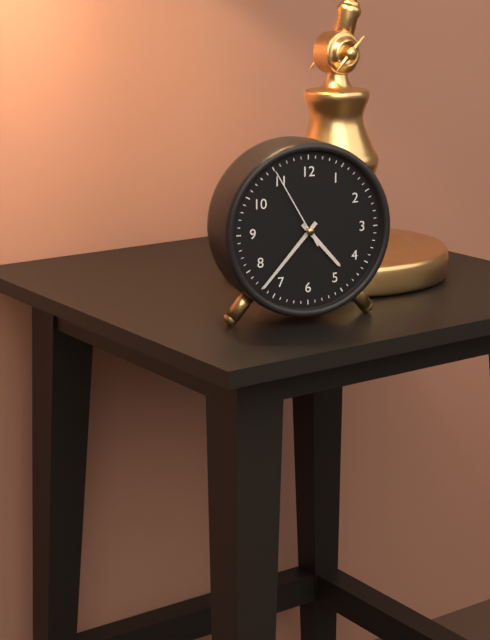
4:37:55
